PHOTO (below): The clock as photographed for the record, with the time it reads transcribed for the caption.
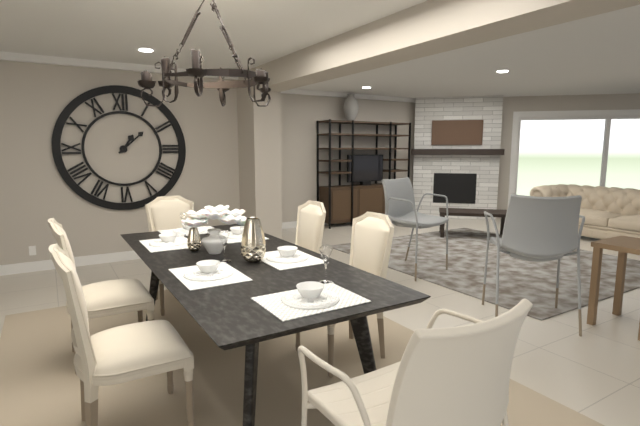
1:08
